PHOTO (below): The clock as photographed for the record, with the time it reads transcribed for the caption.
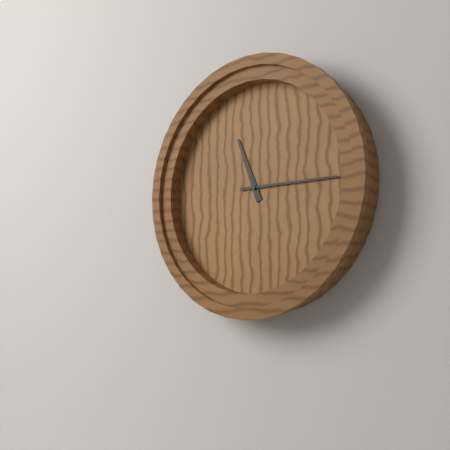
11:15
